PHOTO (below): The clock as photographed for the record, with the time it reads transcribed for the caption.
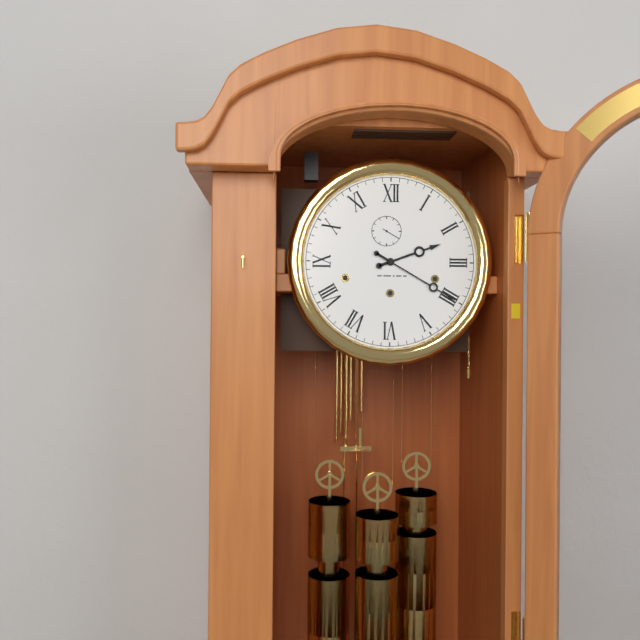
2:20
